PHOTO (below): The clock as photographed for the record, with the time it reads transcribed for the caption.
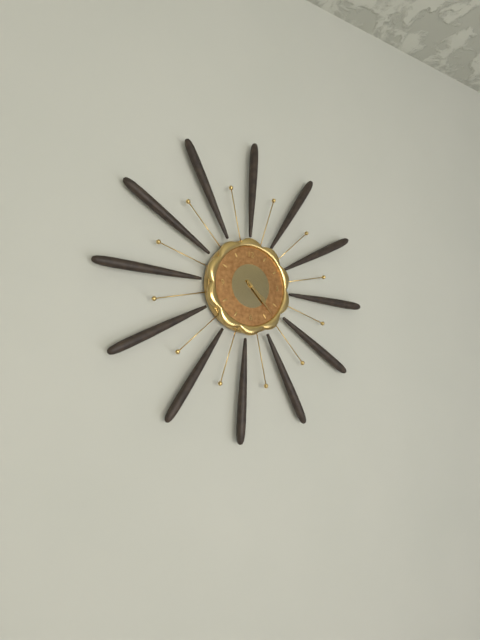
4:23
